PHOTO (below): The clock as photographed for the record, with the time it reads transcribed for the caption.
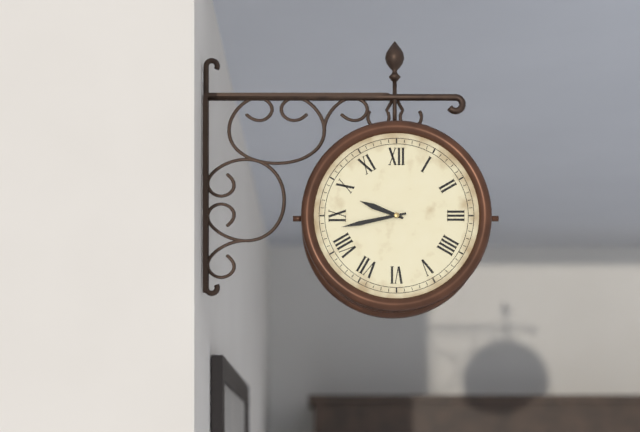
9:43
